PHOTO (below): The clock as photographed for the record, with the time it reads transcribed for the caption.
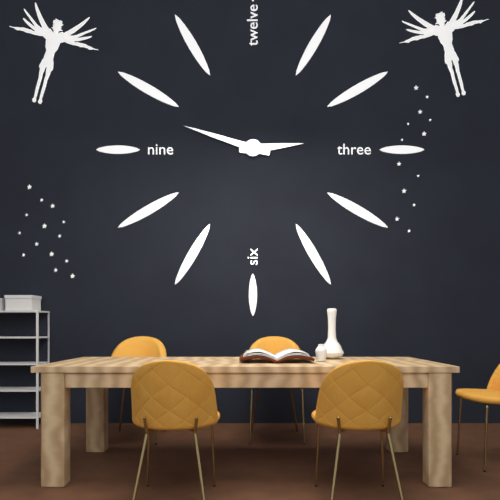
2:48
